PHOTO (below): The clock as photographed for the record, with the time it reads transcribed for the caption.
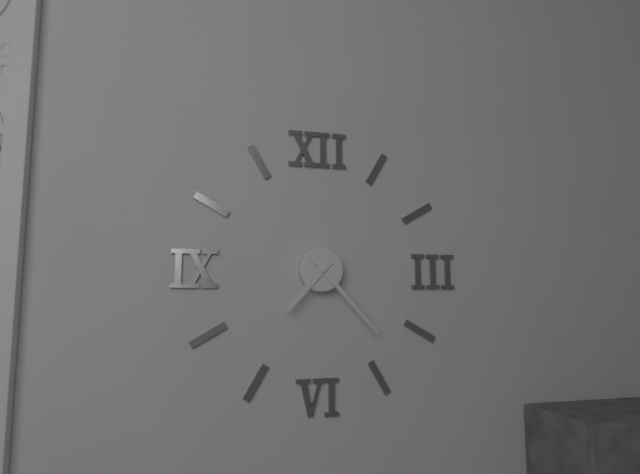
7:23
